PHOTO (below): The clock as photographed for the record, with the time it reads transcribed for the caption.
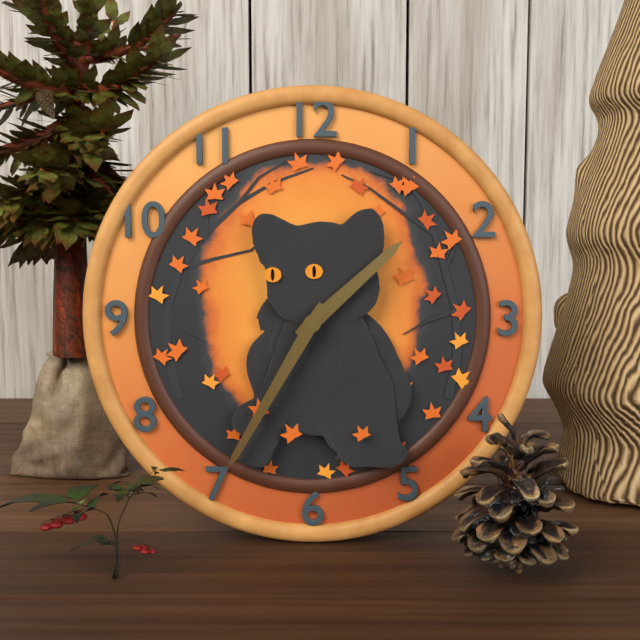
1:35
